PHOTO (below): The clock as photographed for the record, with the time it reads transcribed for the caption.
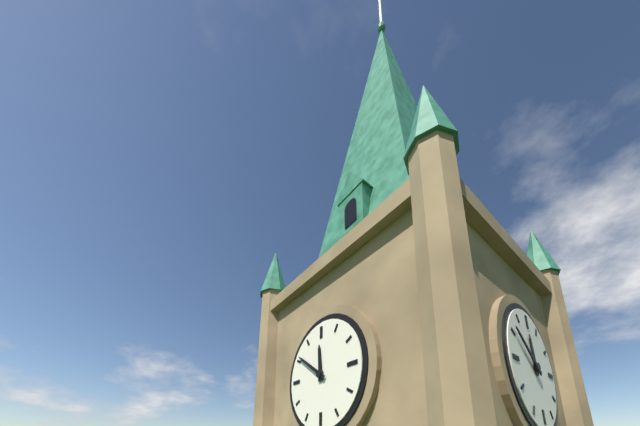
11:51
